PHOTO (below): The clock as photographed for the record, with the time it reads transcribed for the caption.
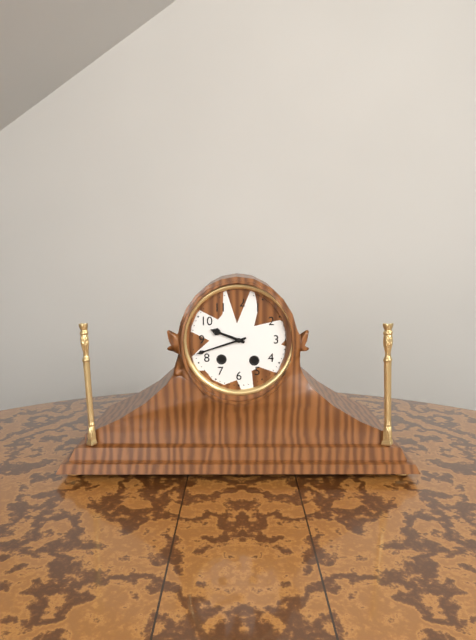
9:42
